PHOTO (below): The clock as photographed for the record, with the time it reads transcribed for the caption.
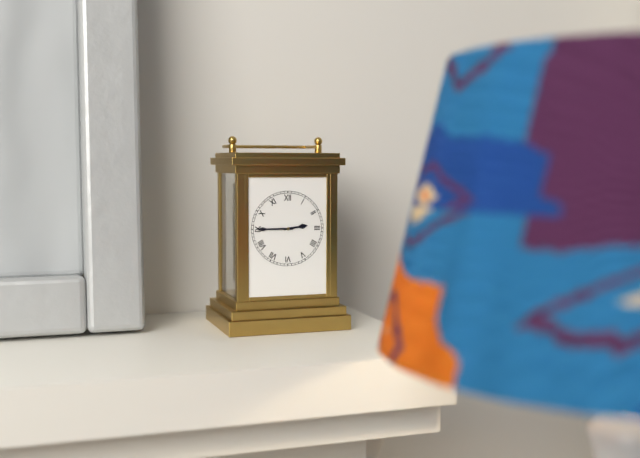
2:45
